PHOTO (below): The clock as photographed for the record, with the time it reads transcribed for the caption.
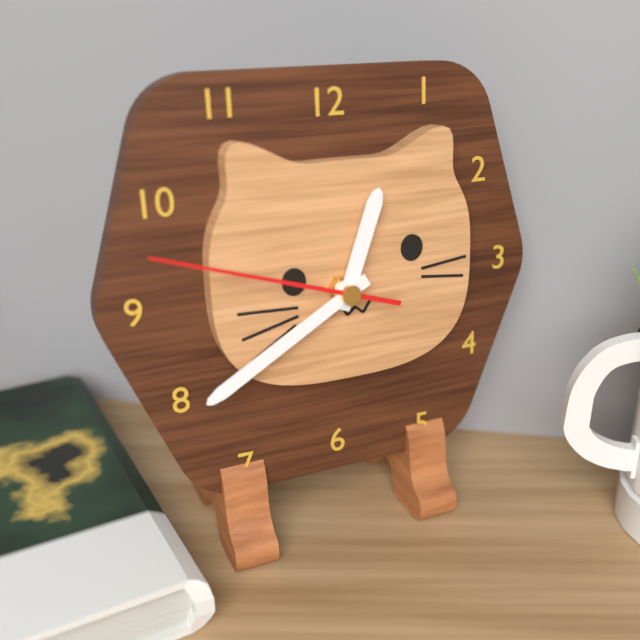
12:40:48
